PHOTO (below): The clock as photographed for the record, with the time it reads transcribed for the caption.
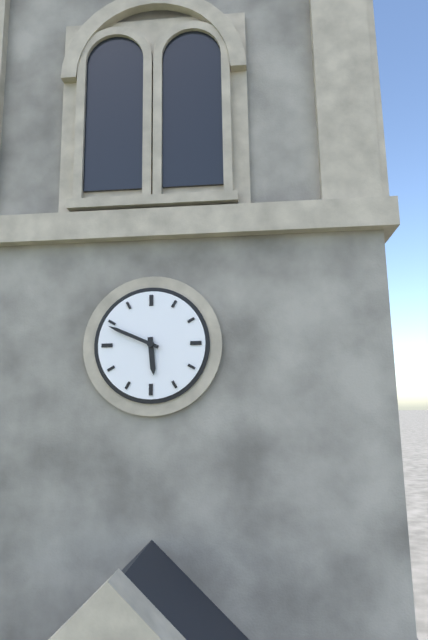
5:49
